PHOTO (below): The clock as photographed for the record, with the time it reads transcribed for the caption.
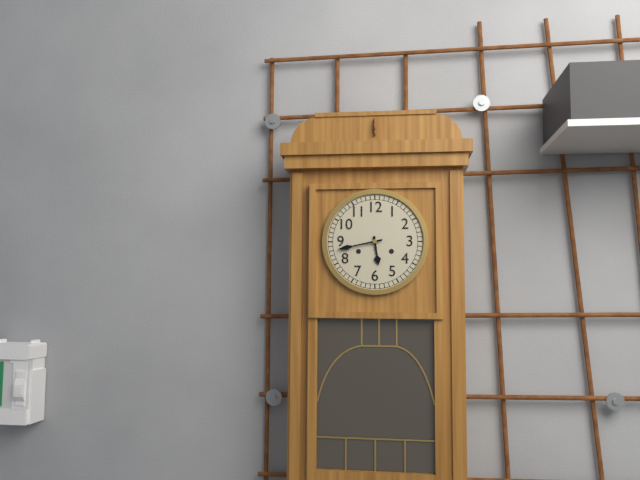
5:43
